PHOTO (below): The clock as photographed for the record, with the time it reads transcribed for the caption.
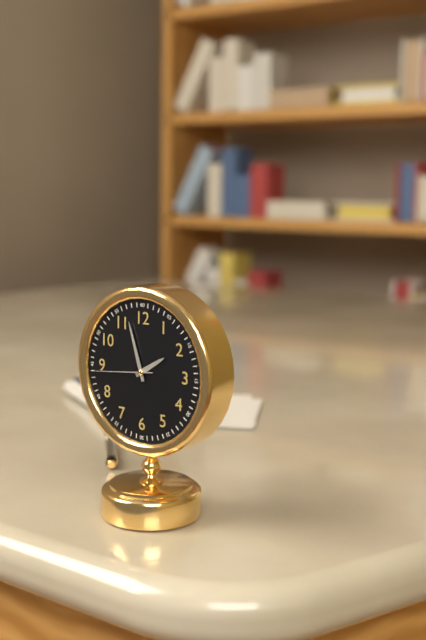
1:57:44
